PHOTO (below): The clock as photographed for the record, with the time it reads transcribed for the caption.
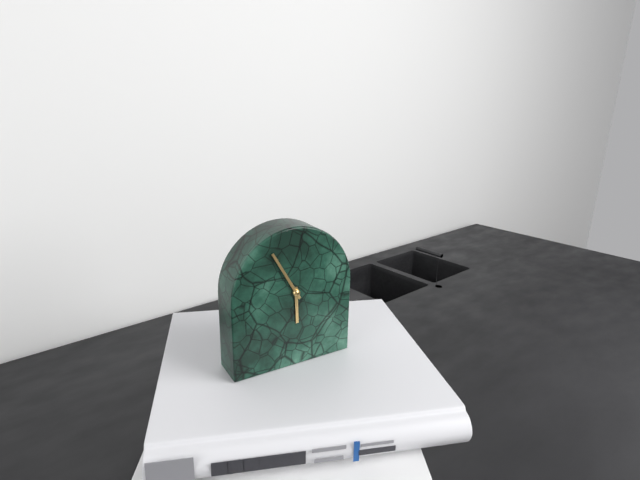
5:55
